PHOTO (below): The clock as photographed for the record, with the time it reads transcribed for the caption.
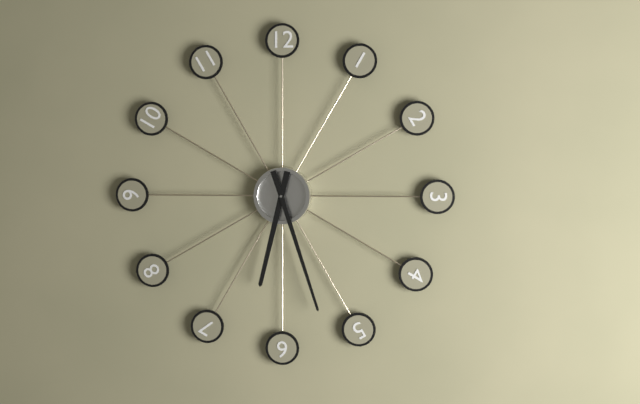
6:27
